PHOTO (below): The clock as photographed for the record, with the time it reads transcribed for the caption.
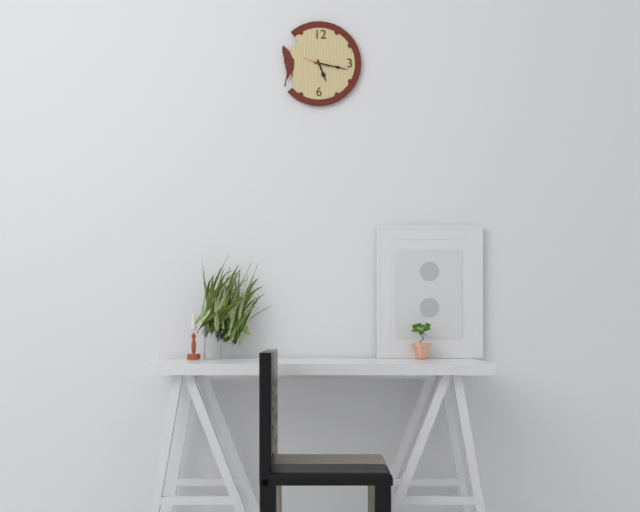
5:17
